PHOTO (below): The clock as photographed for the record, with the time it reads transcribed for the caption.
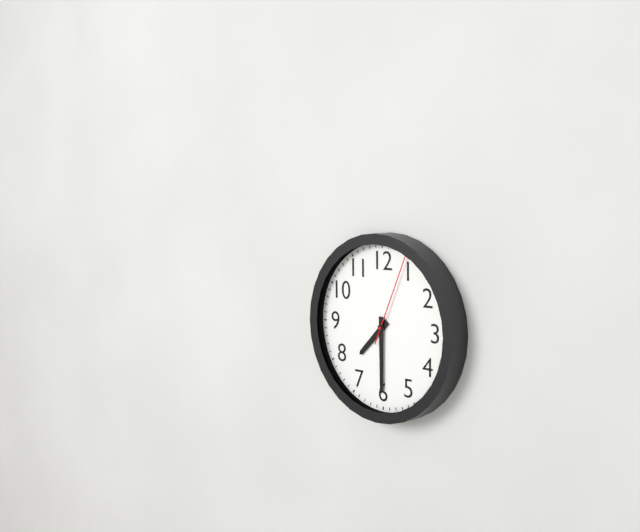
7:30:04
